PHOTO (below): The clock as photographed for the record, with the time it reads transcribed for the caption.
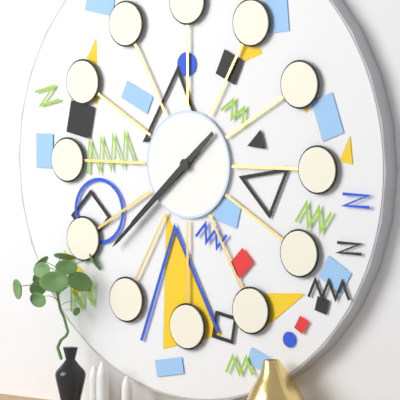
7:38
